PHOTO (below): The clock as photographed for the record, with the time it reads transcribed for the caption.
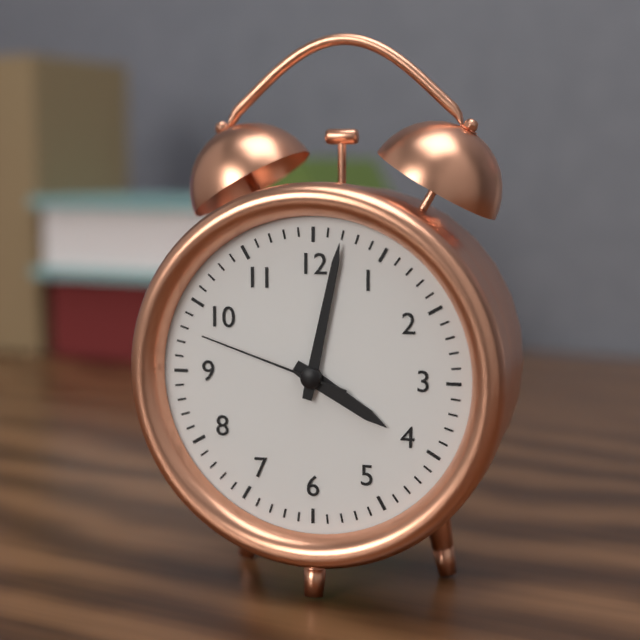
4:02:48
